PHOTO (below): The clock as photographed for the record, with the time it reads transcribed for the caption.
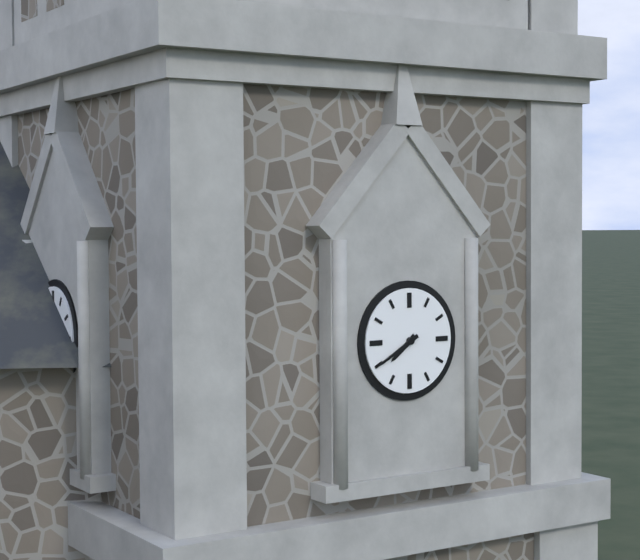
7:40
